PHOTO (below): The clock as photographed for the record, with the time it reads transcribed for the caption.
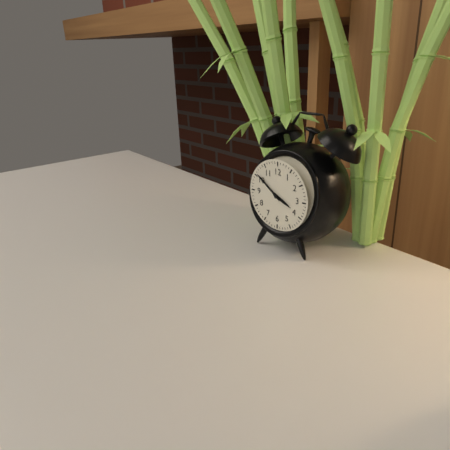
3:51
